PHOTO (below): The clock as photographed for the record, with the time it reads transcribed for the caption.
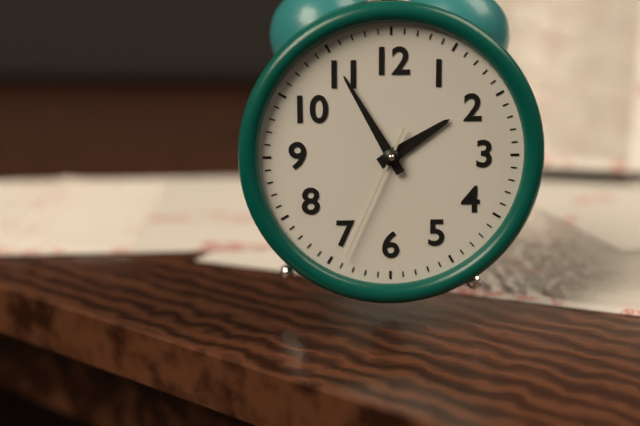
1:55:34
